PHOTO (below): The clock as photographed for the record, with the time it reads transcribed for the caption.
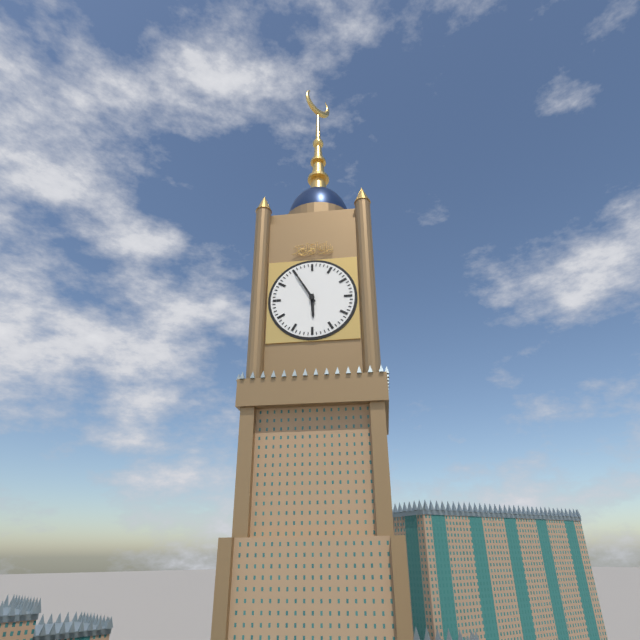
5:55
